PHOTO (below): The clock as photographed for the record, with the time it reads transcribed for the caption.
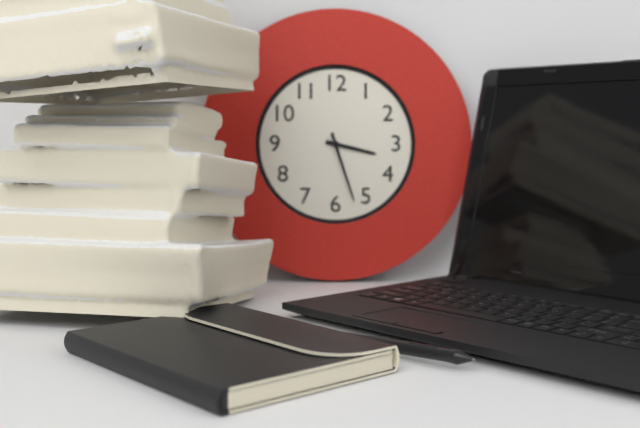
3:27
